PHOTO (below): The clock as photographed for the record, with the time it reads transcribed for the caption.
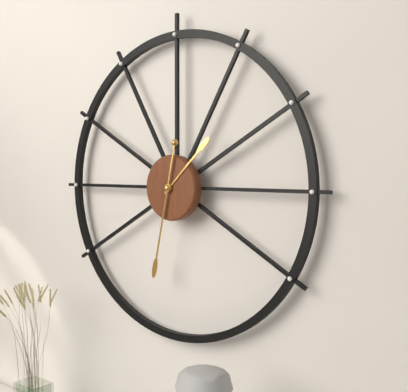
1:32
